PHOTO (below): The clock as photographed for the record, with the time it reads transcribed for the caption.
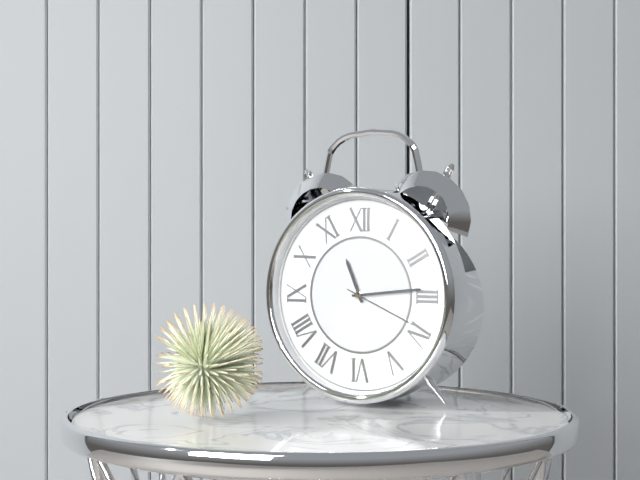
11:14:19
